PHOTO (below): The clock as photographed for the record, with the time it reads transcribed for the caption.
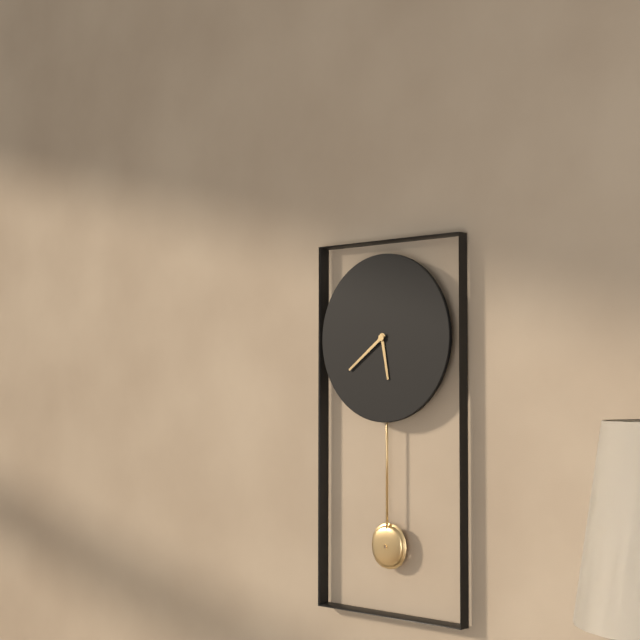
5:39
